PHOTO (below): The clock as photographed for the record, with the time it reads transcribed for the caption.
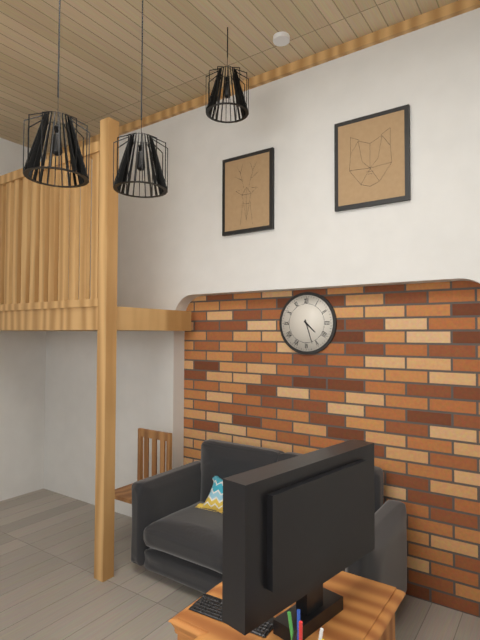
4:27
